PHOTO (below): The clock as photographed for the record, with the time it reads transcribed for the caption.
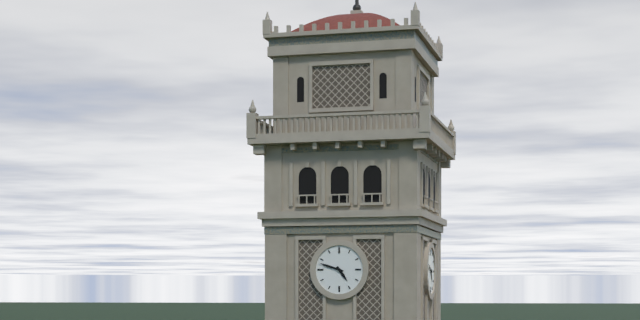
4:48
